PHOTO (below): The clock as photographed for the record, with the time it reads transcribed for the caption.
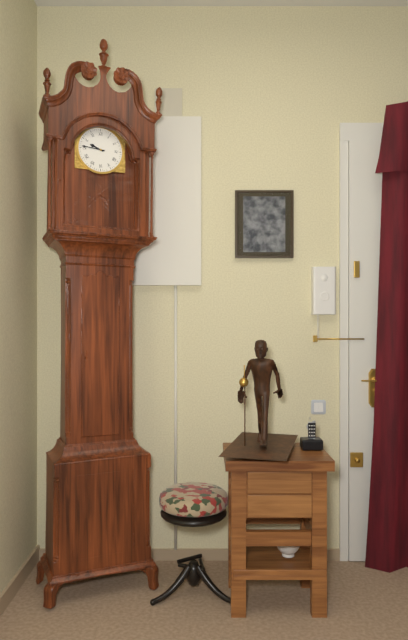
9:46
